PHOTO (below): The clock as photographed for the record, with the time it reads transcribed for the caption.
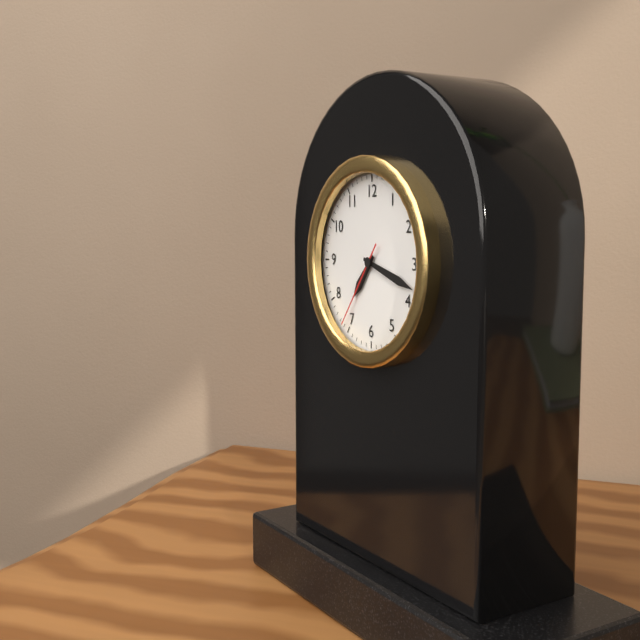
7:18:36
